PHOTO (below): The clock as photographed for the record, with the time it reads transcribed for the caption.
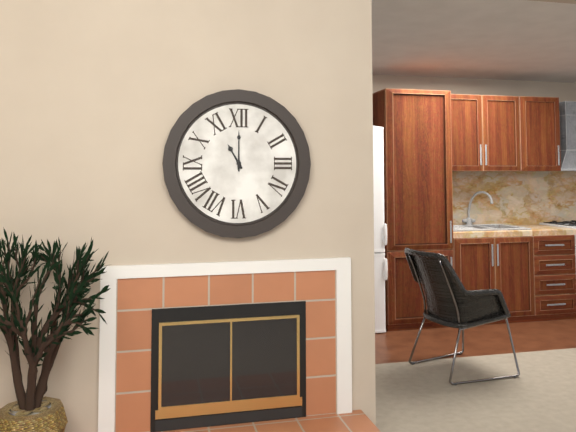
11:00
